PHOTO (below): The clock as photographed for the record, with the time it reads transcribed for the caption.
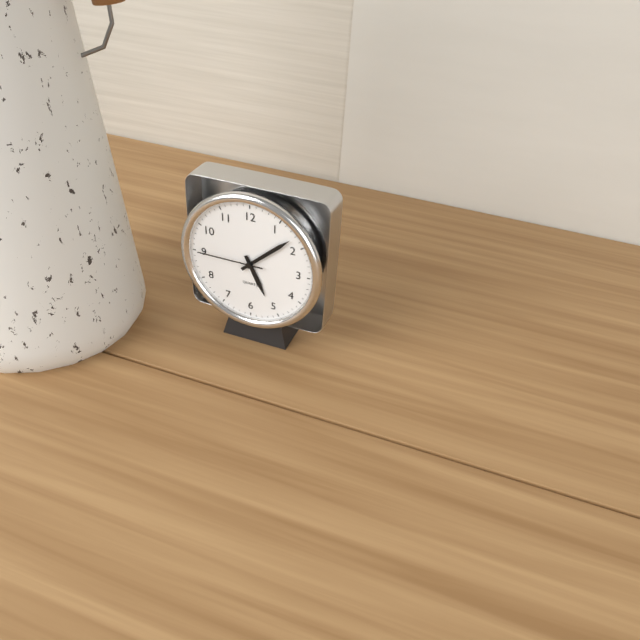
5:08:45
